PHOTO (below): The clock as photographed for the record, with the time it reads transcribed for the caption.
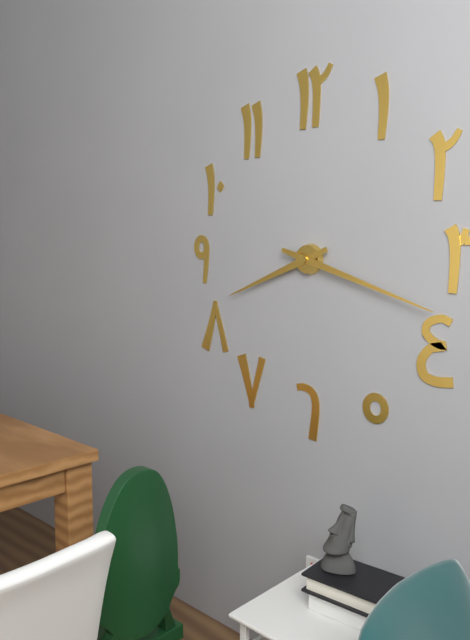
8:18
